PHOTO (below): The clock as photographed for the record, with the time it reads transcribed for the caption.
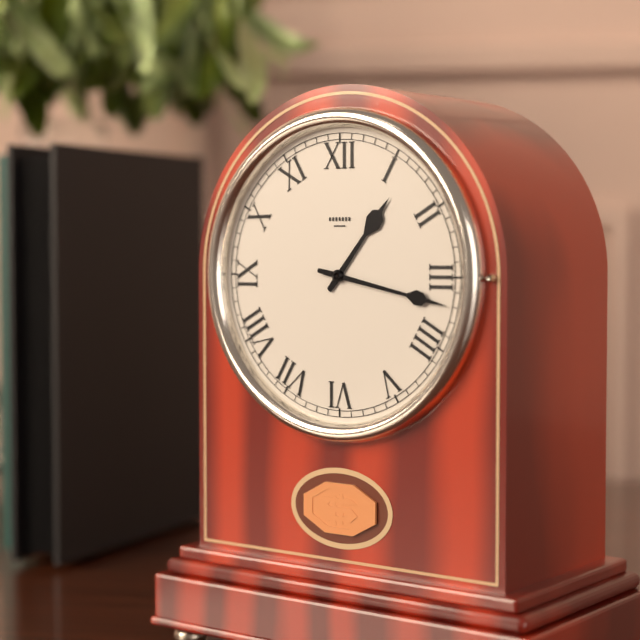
1:17
